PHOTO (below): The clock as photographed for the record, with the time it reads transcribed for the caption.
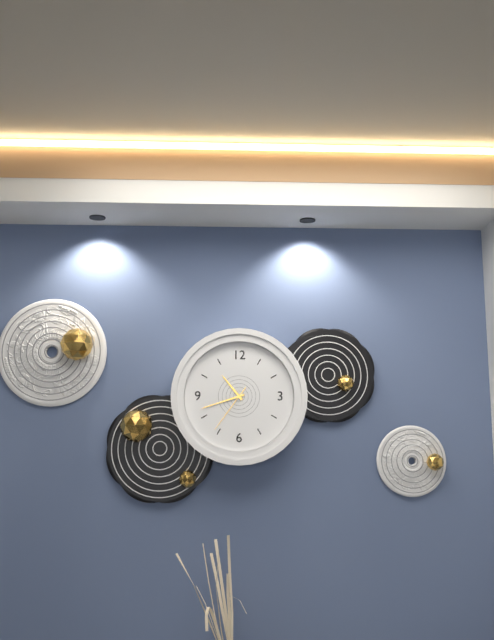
10:42:36
